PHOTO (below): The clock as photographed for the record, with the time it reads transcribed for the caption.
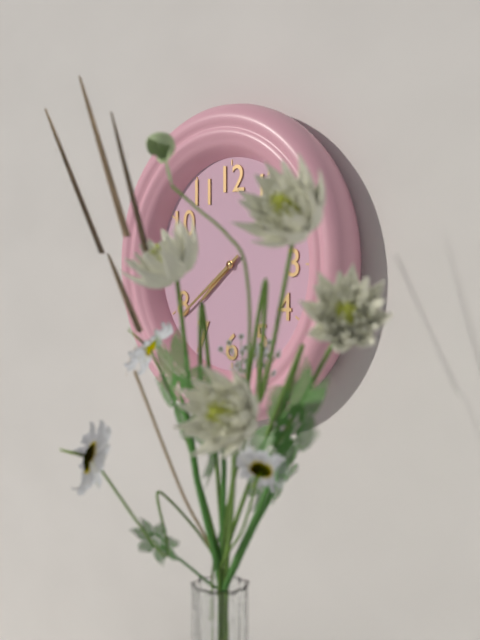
7:39
